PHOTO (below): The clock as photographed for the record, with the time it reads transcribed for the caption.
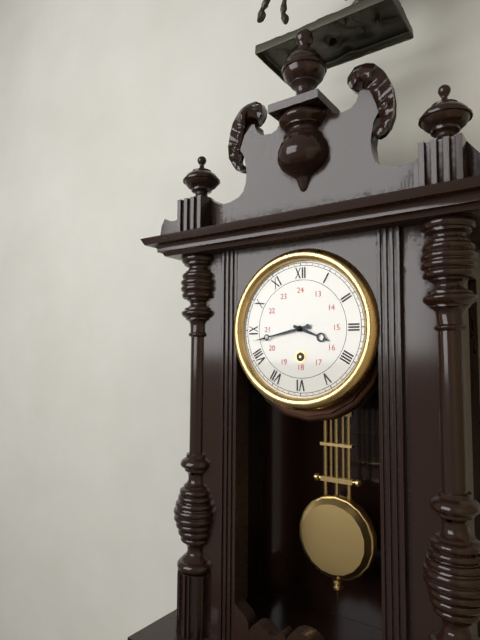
3:43
